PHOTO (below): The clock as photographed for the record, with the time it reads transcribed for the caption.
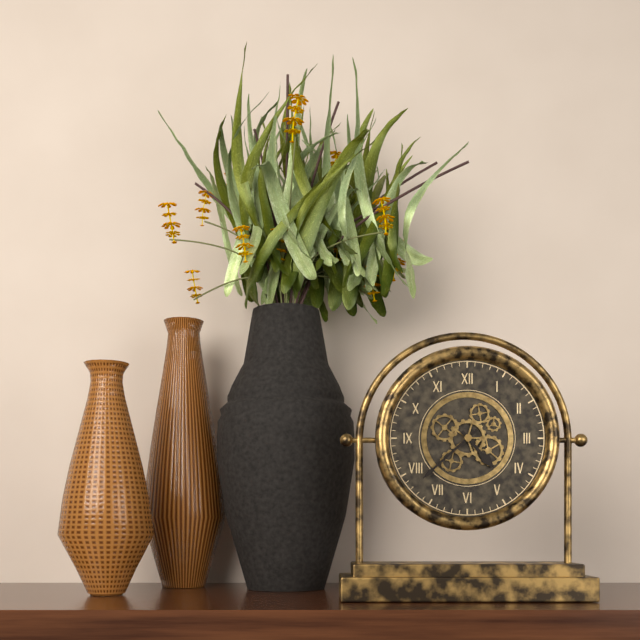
4:38
